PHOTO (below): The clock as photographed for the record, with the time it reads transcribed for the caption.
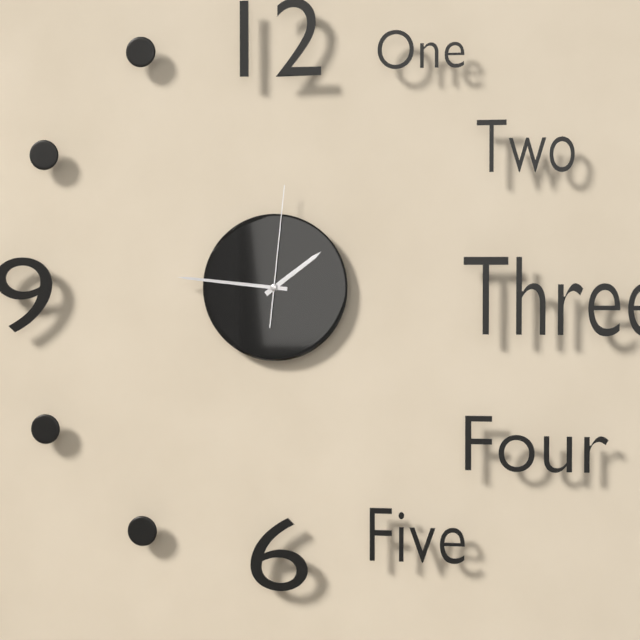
1:46:01
